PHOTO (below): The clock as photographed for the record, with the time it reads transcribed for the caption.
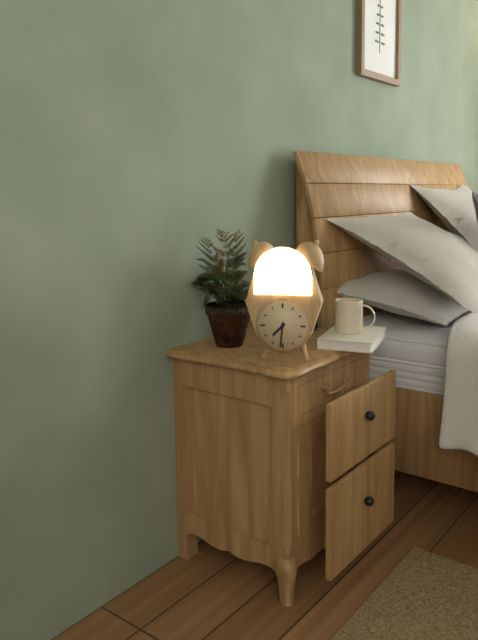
7:31
